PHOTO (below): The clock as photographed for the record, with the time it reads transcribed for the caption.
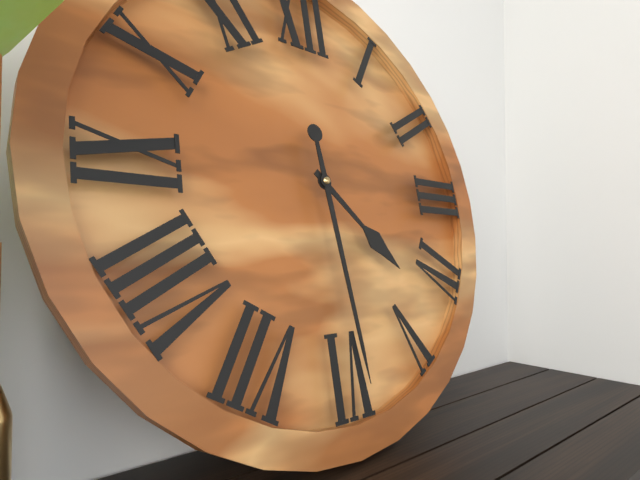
4:29
